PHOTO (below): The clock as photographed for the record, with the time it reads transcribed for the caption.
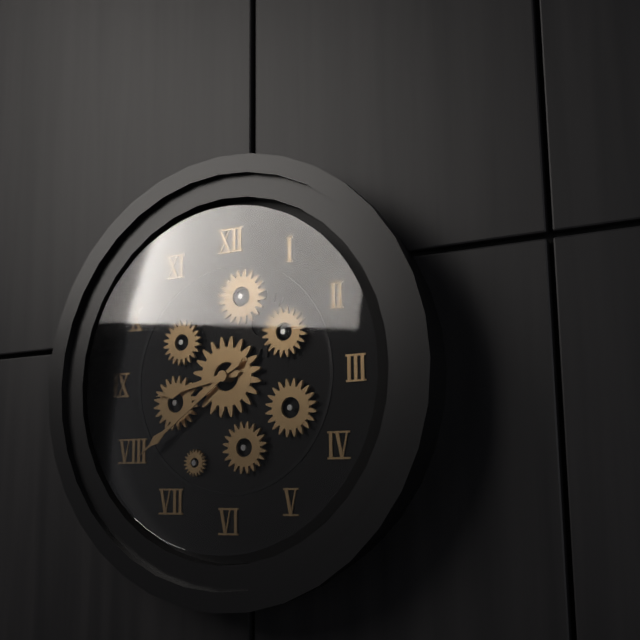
8:39
